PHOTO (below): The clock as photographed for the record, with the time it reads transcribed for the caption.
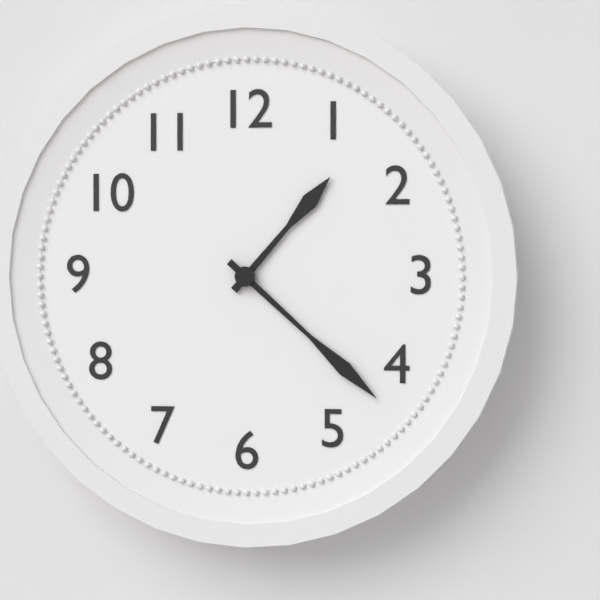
1:22
